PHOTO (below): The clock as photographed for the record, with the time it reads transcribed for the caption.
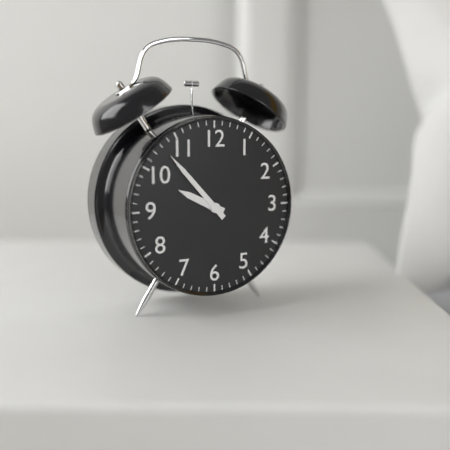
9:53
